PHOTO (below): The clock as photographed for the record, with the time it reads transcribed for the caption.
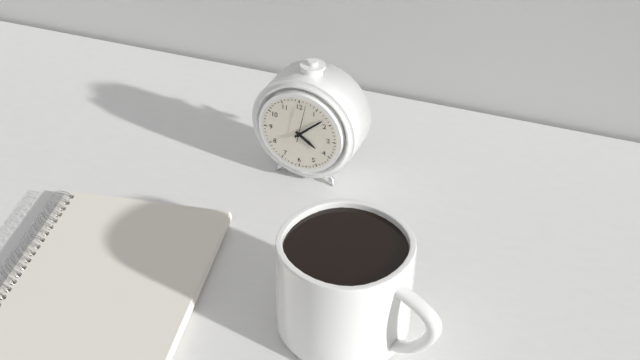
4:08
